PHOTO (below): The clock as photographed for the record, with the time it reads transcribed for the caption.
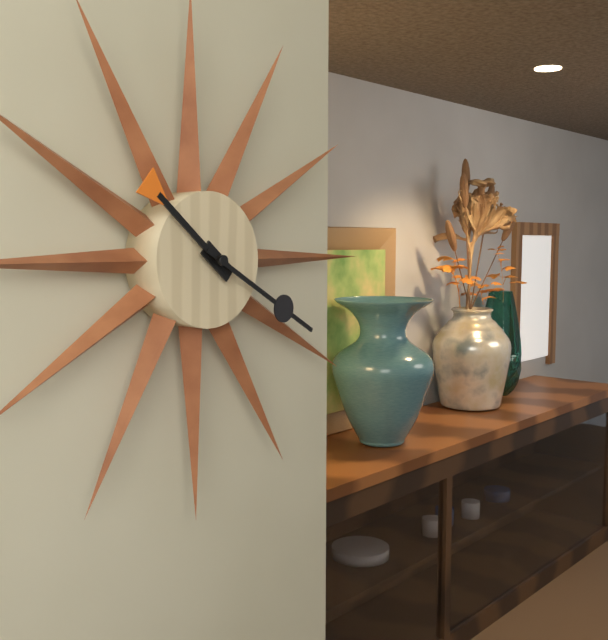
10:20
